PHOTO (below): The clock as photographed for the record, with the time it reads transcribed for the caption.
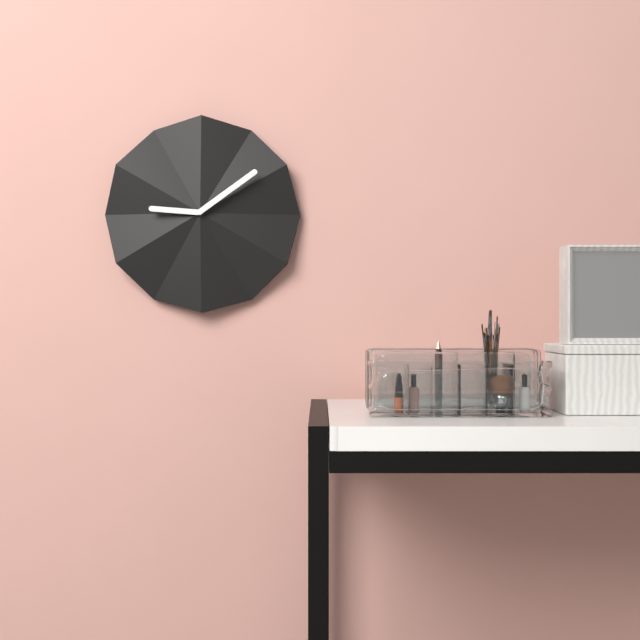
9:09
